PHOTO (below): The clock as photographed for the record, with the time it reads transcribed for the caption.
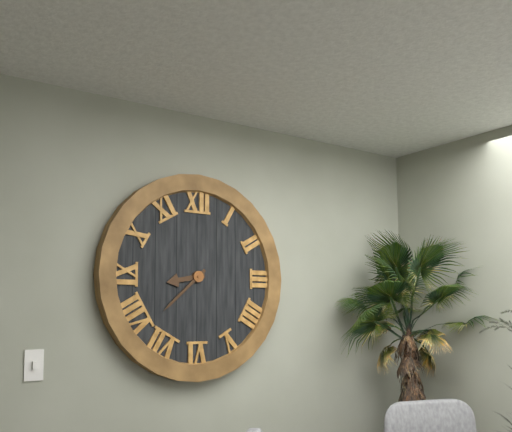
8:38
